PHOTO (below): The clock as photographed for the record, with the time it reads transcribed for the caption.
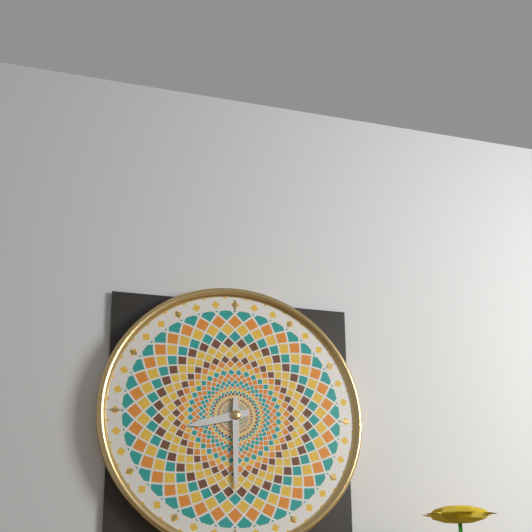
8:30
